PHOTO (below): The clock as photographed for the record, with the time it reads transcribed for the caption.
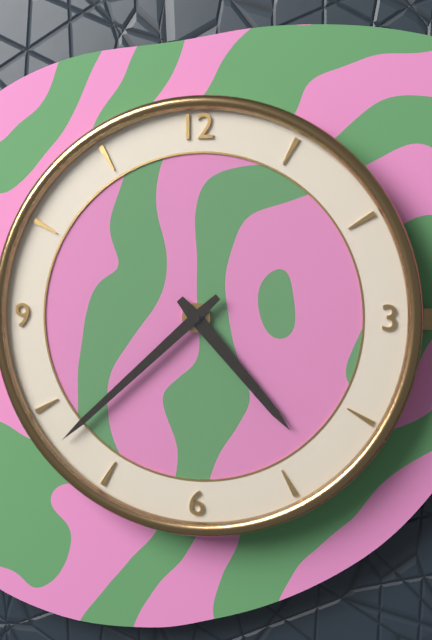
4:38
